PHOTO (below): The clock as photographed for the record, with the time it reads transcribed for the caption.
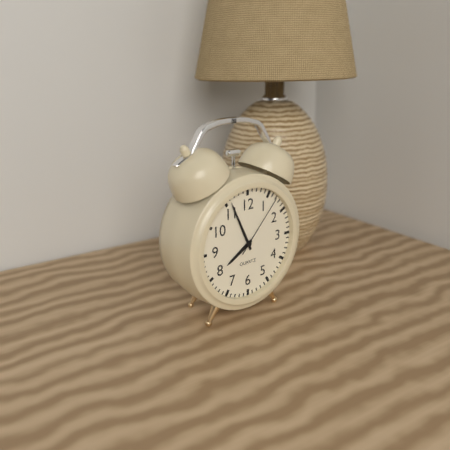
7:56:07
